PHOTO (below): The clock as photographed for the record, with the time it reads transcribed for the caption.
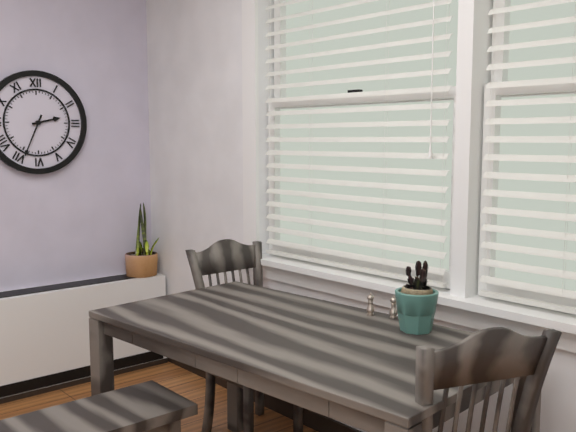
2:34
